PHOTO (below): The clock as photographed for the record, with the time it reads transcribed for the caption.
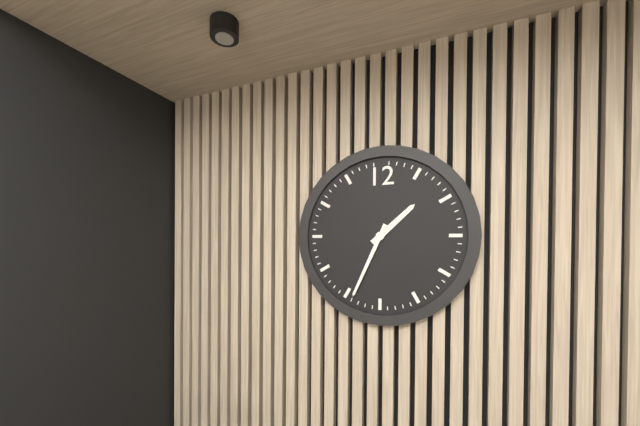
1:34
